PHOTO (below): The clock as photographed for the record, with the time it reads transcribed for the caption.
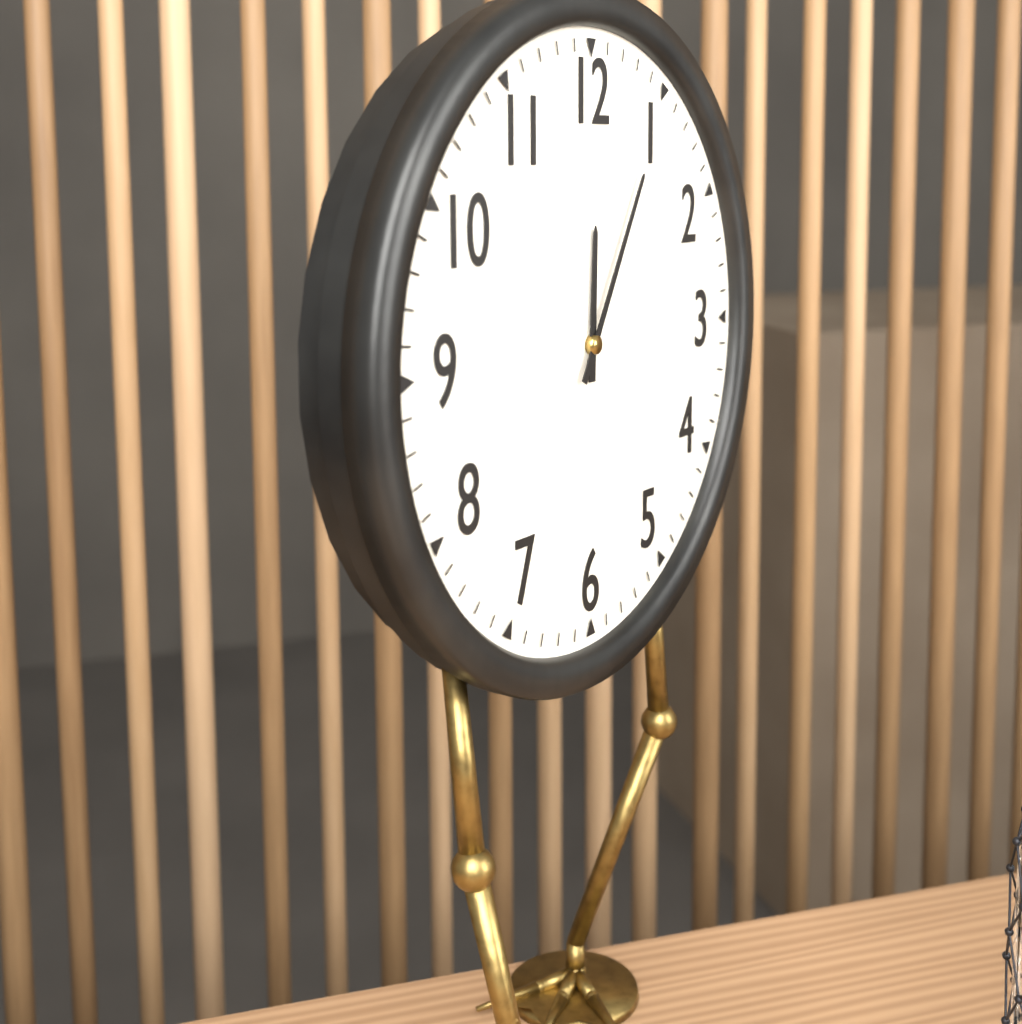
12:05
